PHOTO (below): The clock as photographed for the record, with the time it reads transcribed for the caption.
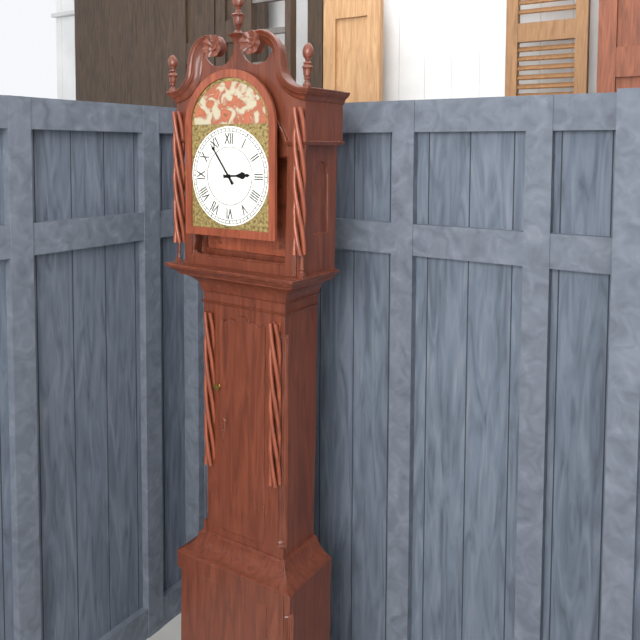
2:54
